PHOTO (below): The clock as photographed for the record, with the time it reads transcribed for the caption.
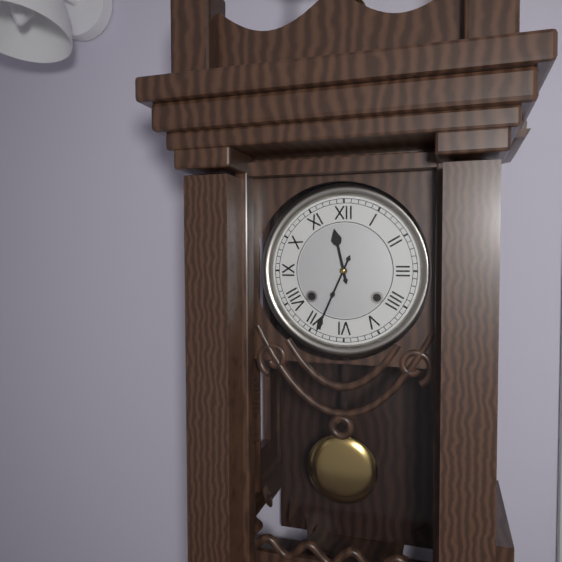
11:34
